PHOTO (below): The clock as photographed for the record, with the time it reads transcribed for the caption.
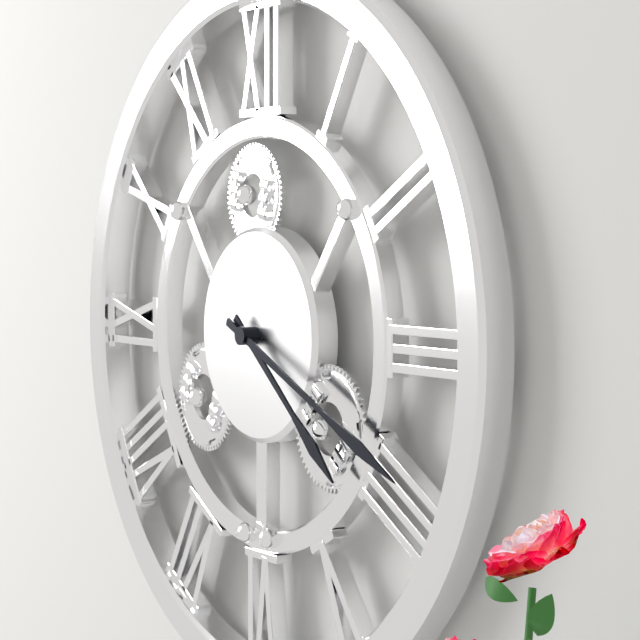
4:19
